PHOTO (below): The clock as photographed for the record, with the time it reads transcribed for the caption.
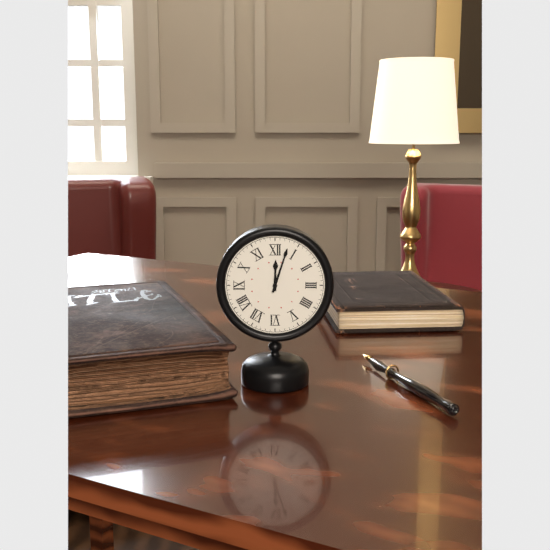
12:03
